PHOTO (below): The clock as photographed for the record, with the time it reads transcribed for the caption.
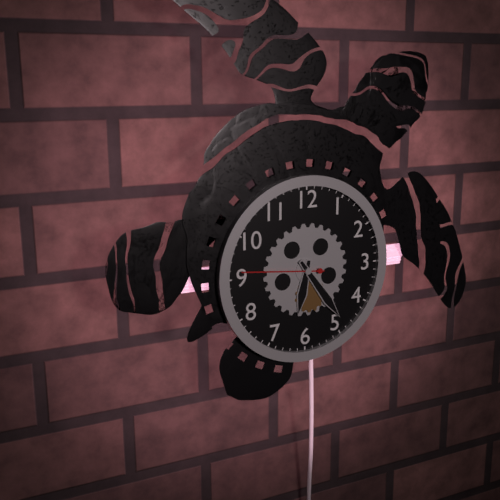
6:24
